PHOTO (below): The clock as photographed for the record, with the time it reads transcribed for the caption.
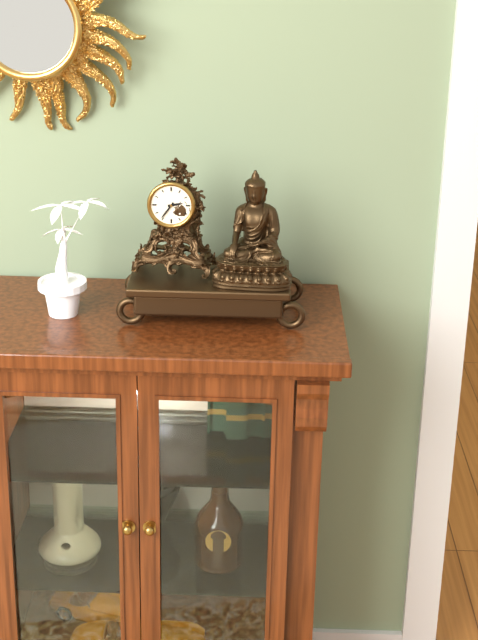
2:36
